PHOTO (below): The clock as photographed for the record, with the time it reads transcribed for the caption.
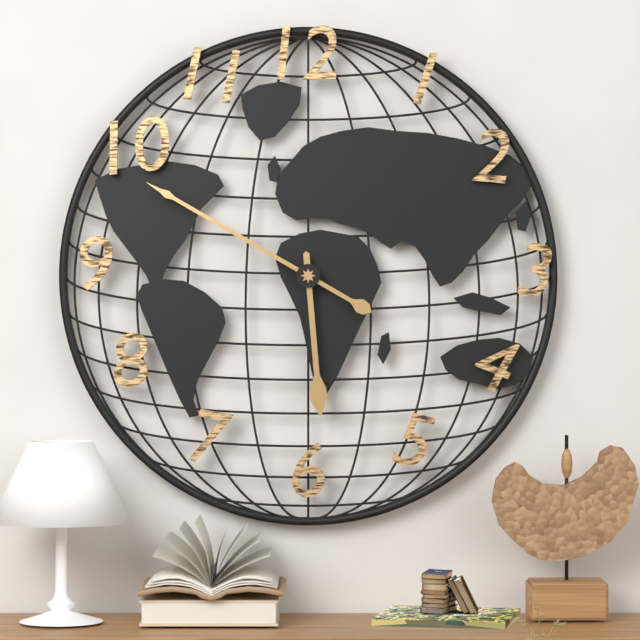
5:50
